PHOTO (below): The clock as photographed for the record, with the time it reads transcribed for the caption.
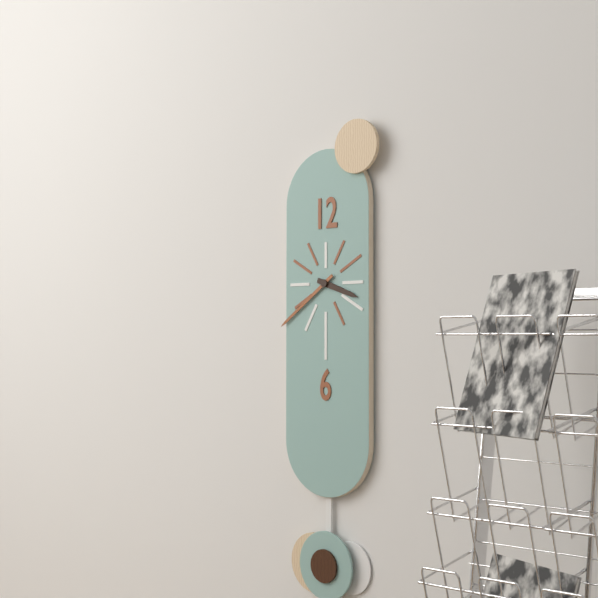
3:39
